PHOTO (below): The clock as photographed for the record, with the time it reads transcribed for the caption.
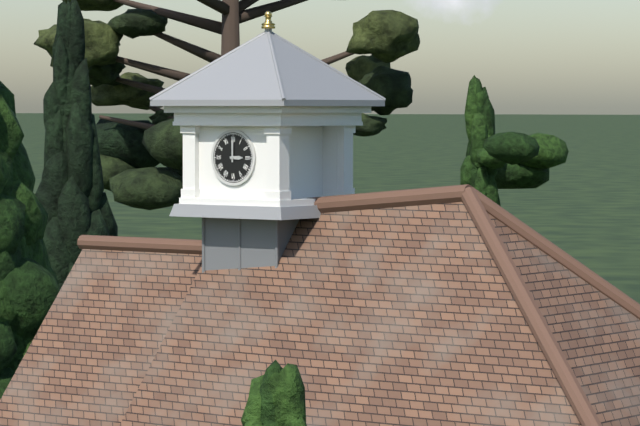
3:00
